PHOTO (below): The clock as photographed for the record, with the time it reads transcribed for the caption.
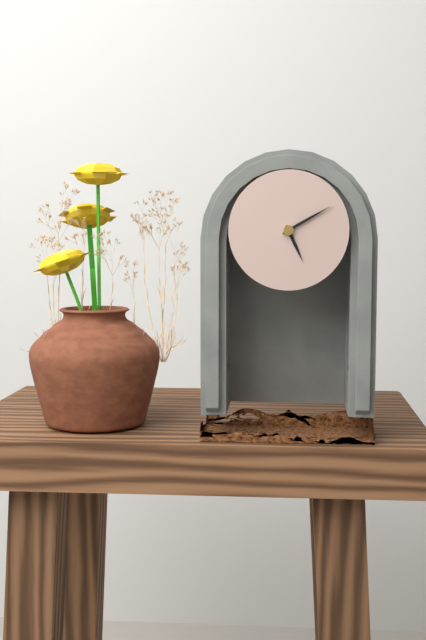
5:10
